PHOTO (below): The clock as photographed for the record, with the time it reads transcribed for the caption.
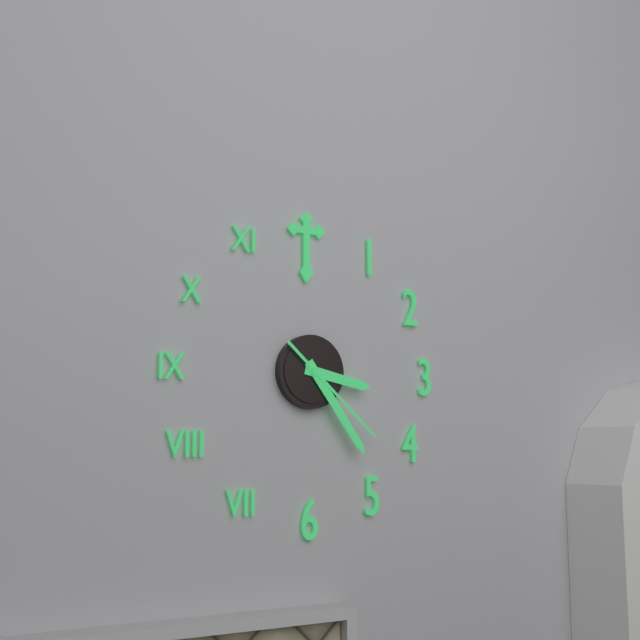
3:24:22
